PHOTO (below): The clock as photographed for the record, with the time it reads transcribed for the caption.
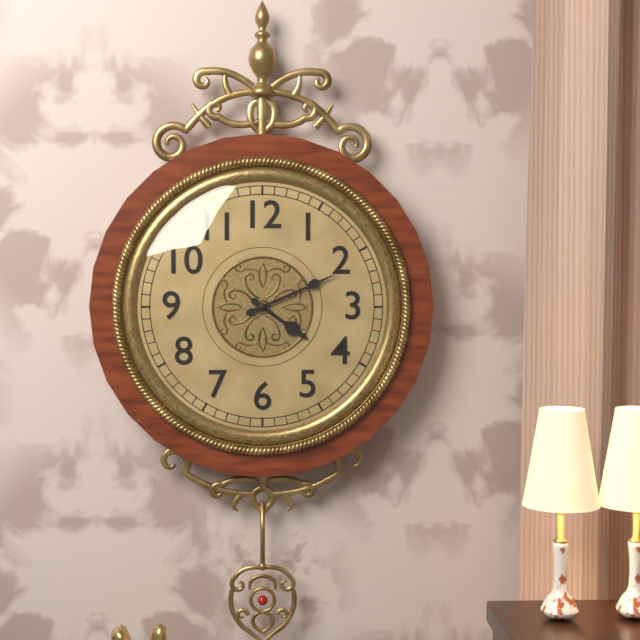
4:11
